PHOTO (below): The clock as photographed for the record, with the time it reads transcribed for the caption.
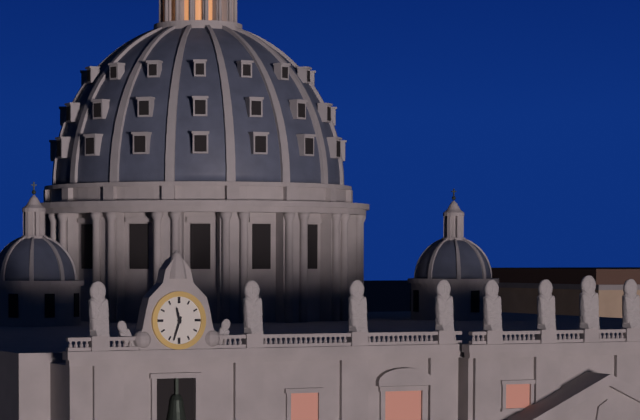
11:33
